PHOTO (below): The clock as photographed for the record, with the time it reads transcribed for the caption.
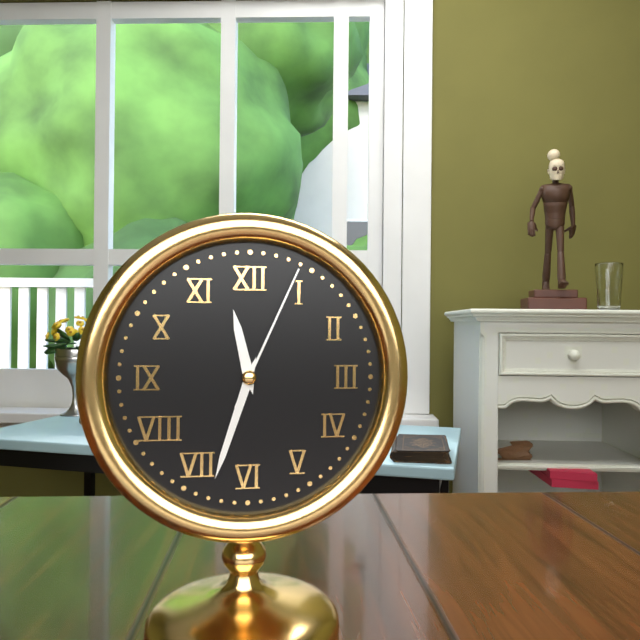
11:33:04
